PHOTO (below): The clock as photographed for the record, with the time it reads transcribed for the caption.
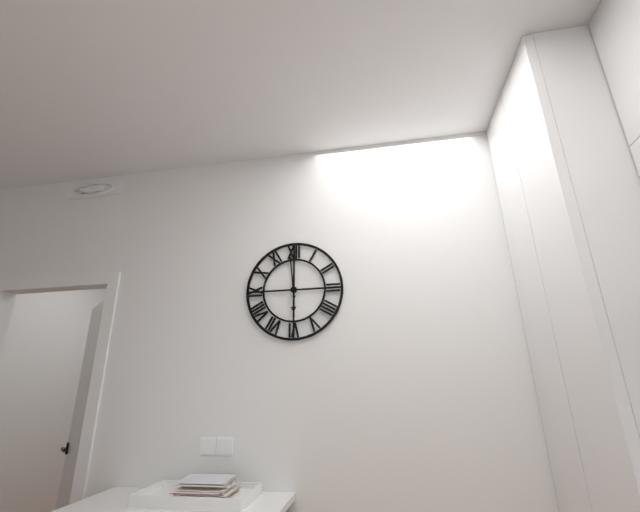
5:59
